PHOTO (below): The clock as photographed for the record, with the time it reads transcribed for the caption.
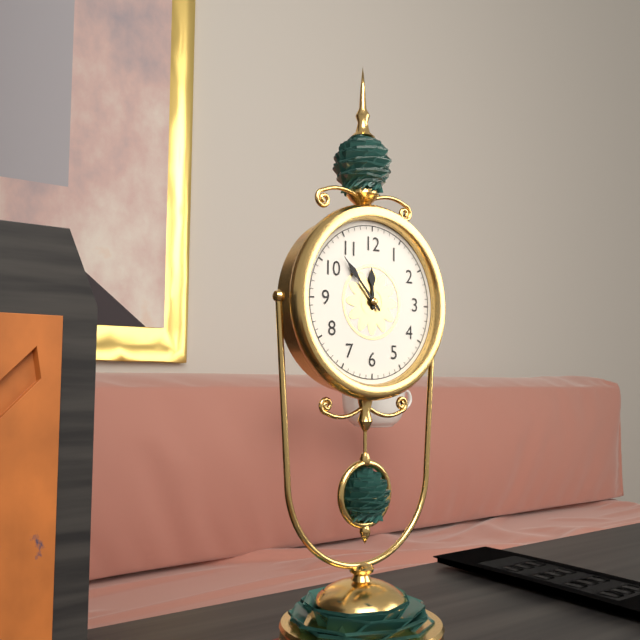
11:53
